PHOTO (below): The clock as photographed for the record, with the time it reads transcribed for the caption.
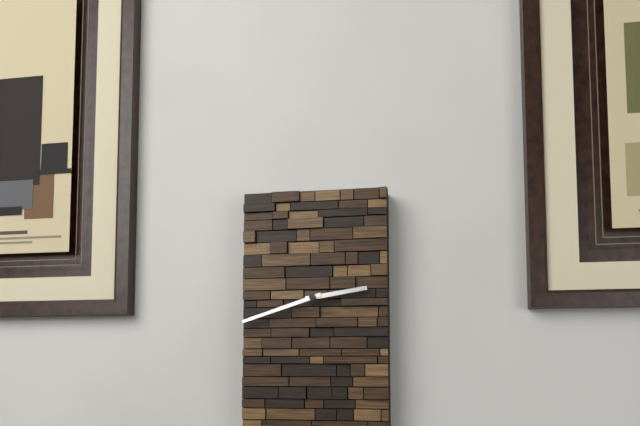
2:42
